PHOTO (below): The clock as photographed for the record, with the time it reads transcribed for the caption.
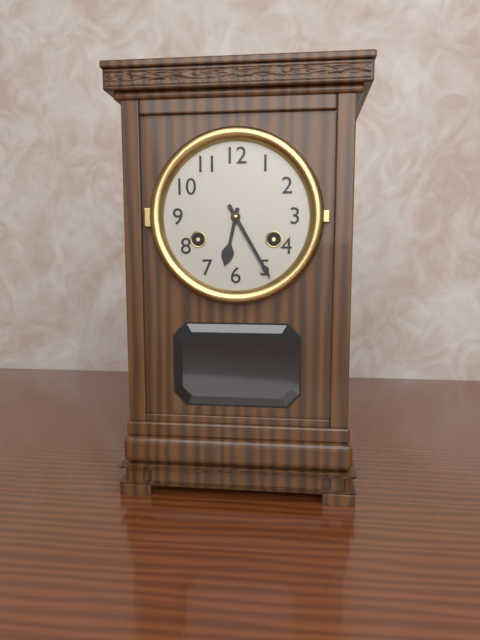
6:25
